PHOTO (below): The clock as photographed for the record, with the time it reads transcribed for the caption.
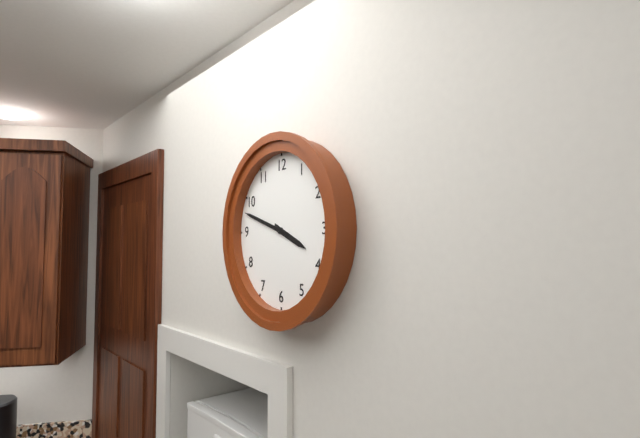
3:48
